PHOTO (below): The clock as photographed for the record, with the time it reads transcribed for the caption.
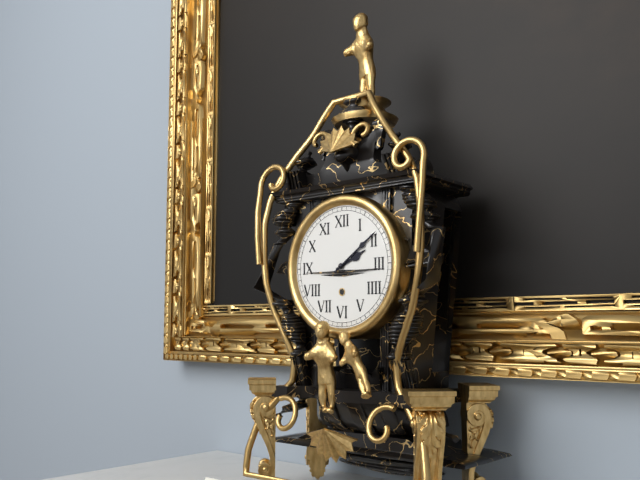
2:09
